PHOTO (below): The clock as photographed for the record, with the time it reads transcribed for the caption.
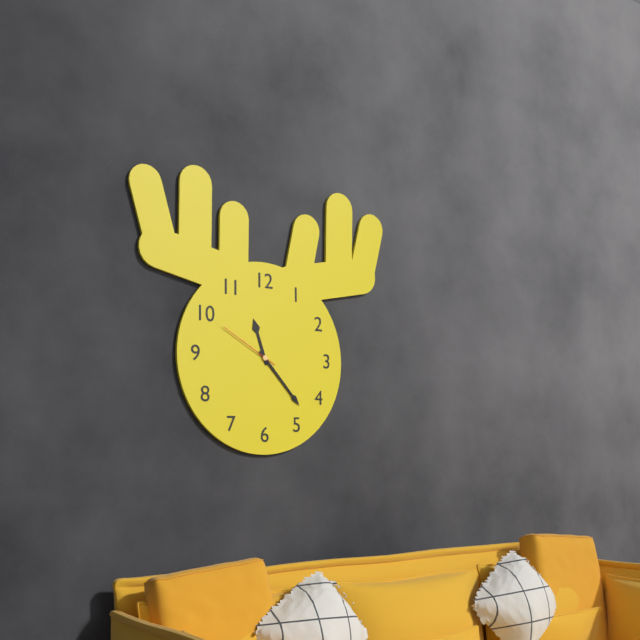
11:23:50
